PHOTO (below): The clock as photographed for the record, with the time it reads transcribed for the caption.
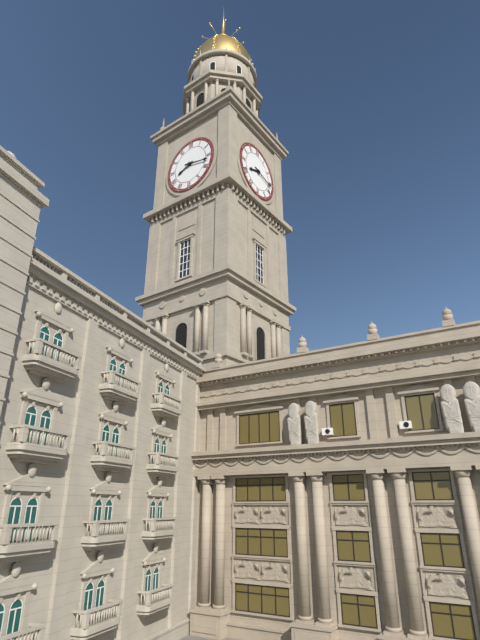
8:17
